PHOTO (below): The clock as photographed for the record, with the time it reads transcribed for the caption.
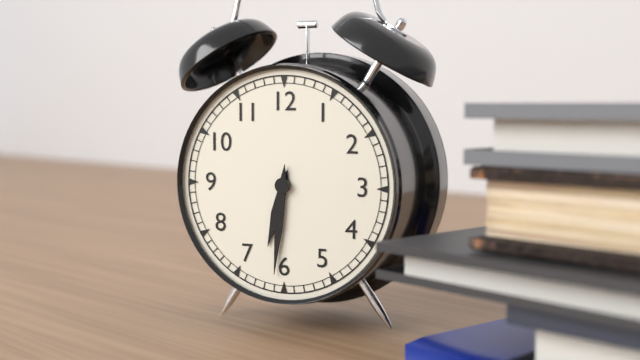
6:31
